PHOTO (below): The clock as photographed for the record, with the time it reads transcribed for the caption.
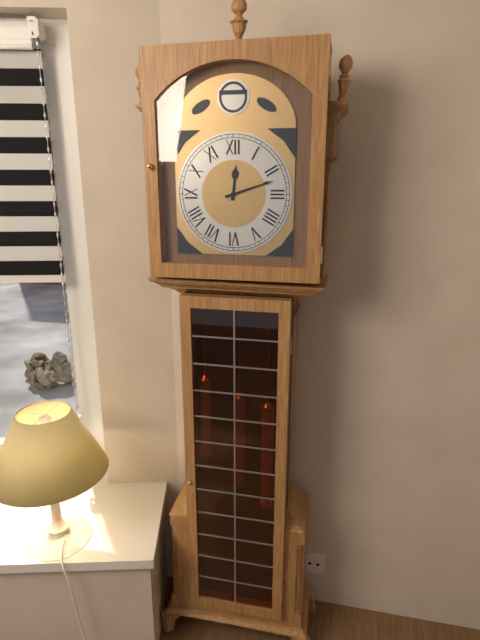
12:12
